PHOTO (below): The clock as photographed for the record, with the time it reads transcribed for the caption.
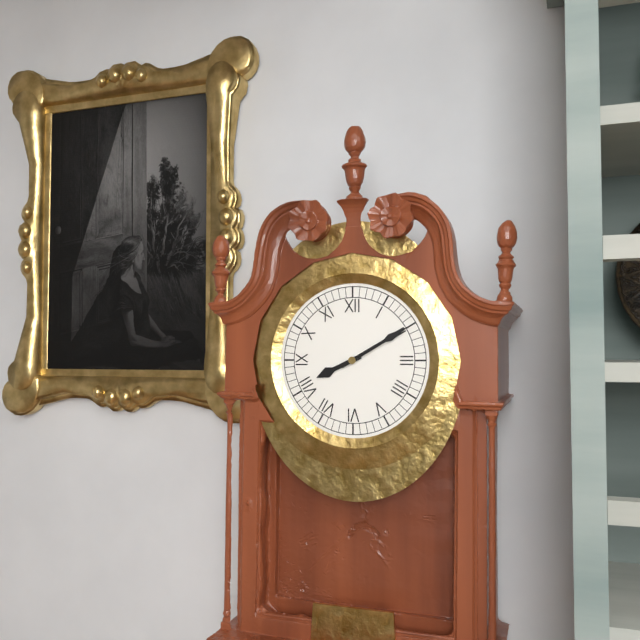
8:10
